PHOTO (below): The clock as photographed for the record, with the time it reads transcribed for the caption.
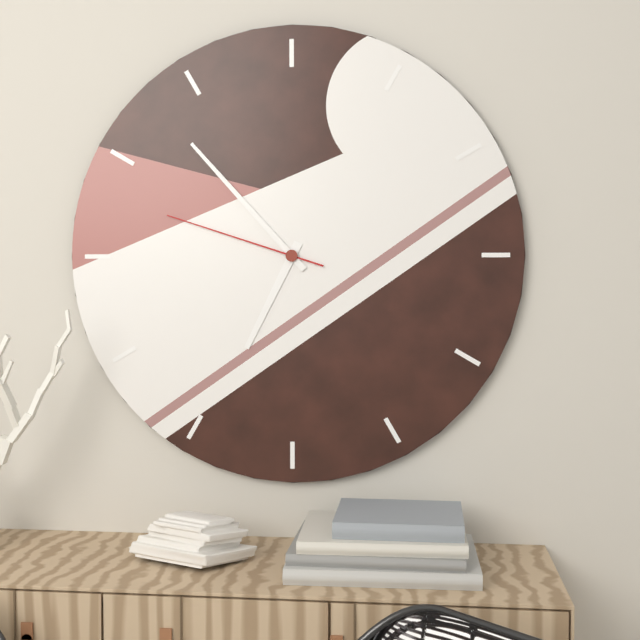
6:53:48
